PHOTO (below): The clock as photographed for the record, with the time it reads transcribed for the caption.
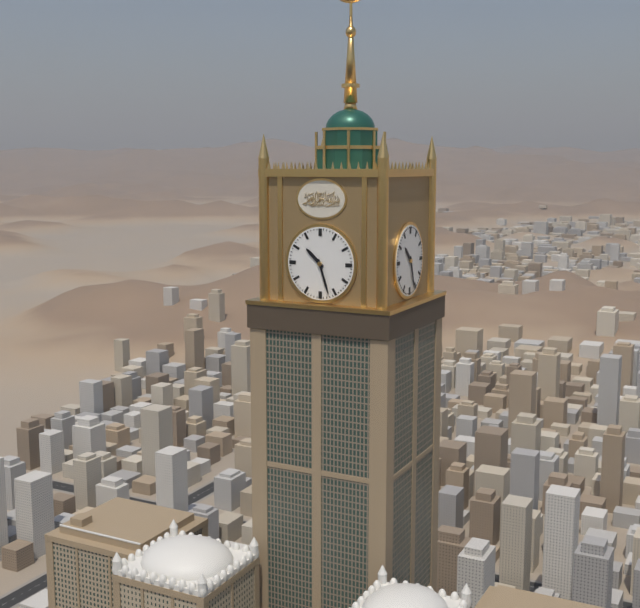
10:27
